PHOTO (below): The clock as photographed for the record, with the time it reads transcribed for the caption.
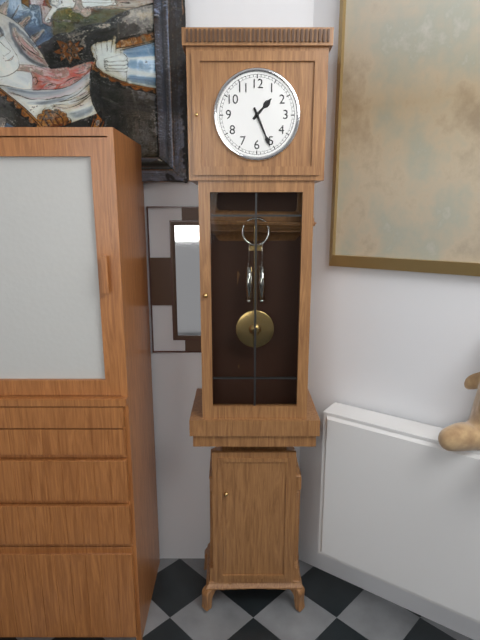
1:26
